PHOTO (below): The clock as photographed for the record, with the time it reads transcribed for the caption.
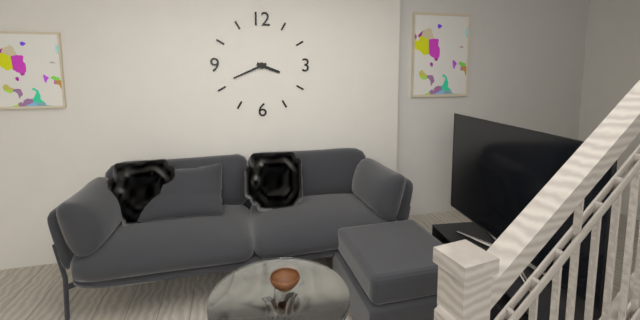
3:41
